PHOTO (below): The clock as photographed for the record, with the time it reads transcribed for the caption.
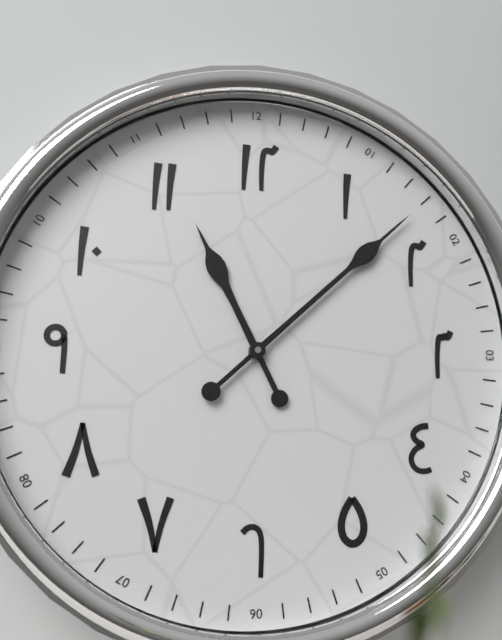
11:08
